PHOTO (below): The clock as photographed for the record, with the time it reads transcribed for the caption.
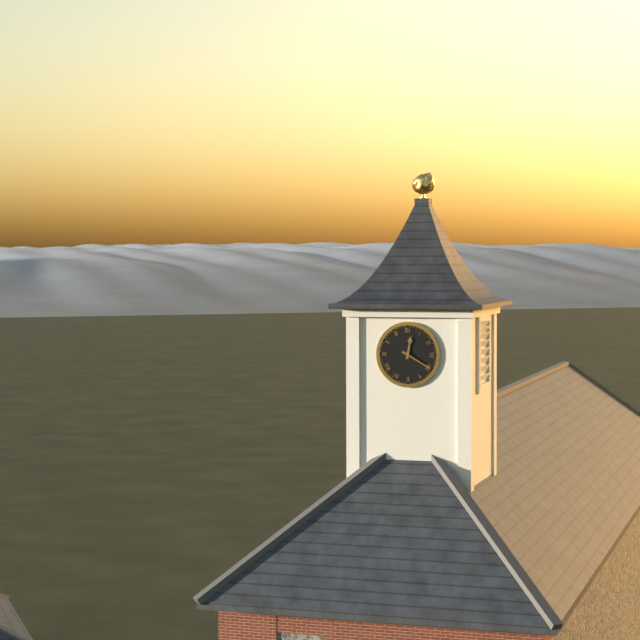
12:20
